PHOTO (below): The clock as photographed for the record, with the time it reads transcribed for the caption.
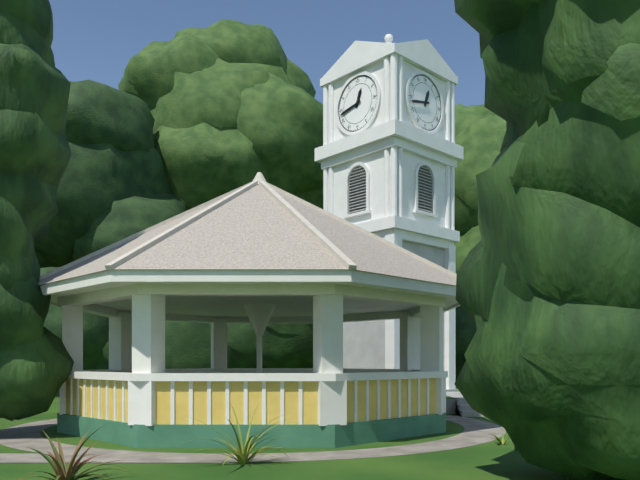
12:43
